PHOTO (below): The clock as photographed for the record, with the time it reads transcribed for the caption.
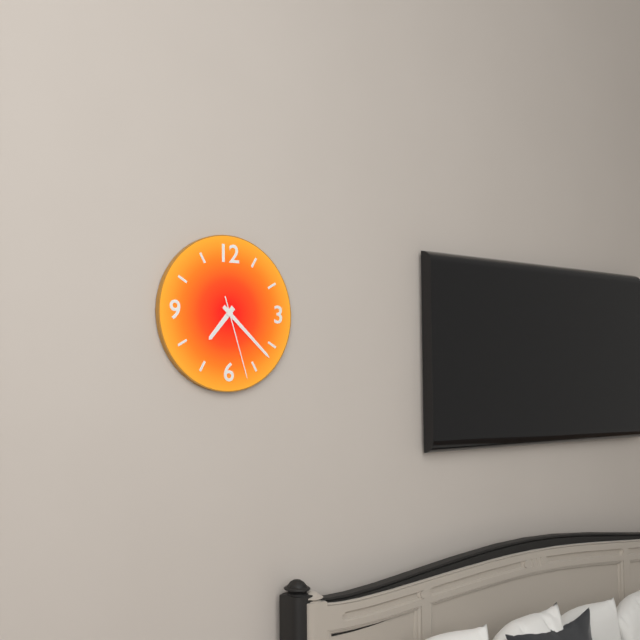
7:22:27
